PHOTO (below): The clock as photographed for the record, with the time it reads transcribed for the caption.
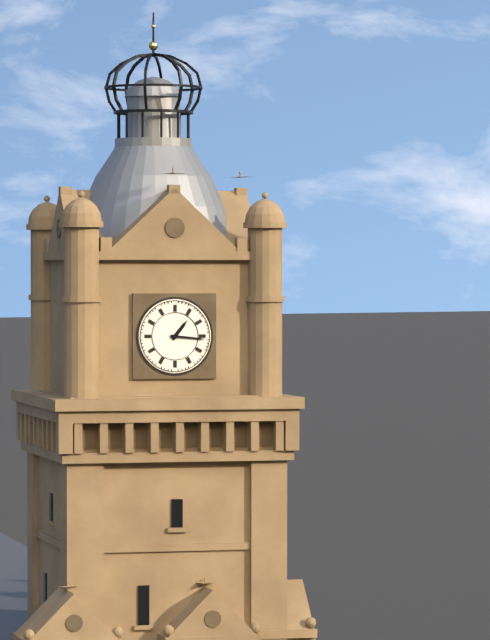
1:16
